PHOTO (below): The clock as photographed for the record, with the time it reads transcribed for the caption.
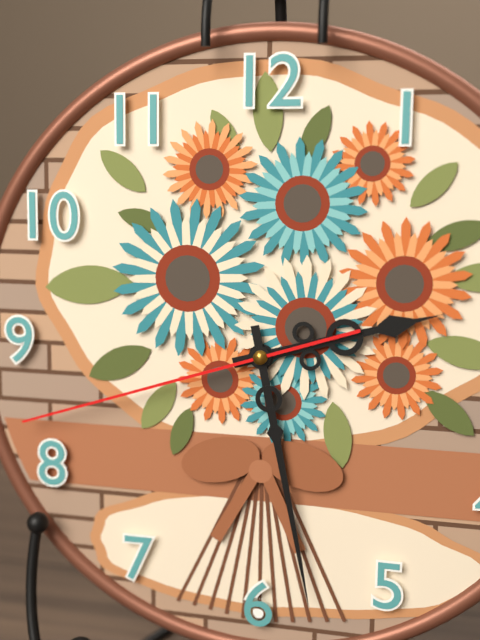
2:28:42
